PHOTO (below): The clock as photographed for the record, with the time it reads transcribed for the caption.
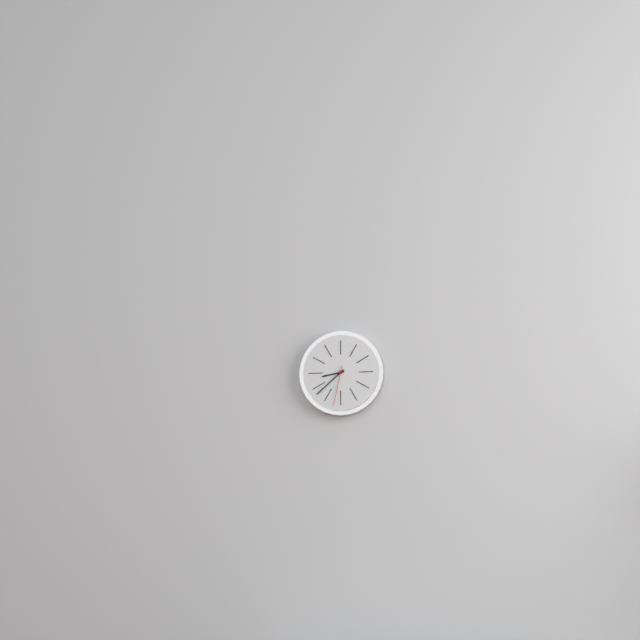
8:38
